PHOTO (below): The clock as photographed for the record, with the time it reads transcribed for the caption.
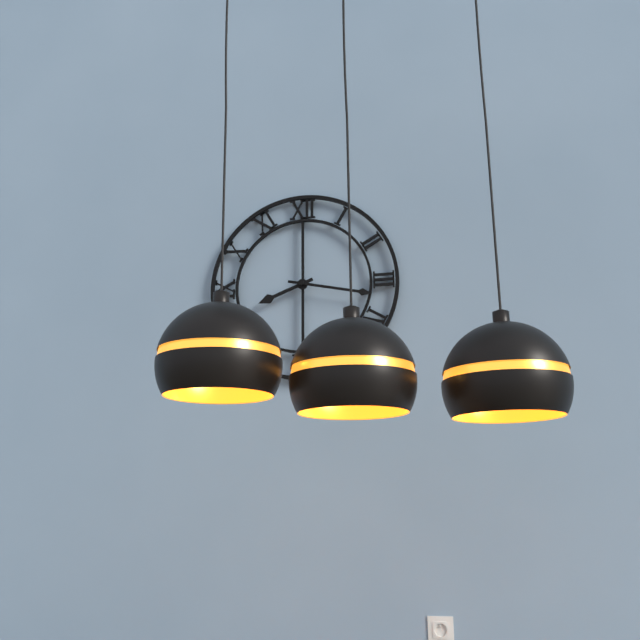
8:17
